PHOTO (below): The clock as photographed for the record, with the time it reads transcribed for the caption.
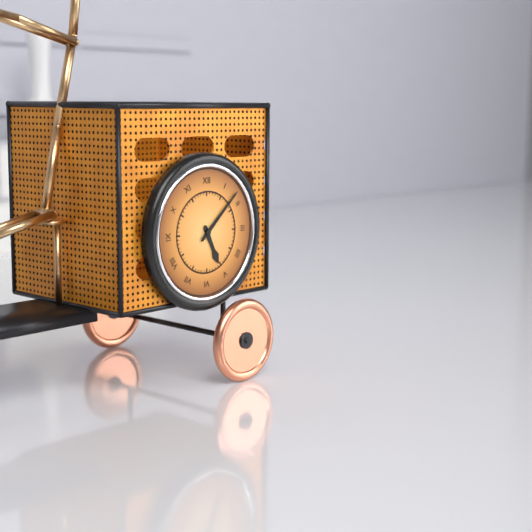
5:08
